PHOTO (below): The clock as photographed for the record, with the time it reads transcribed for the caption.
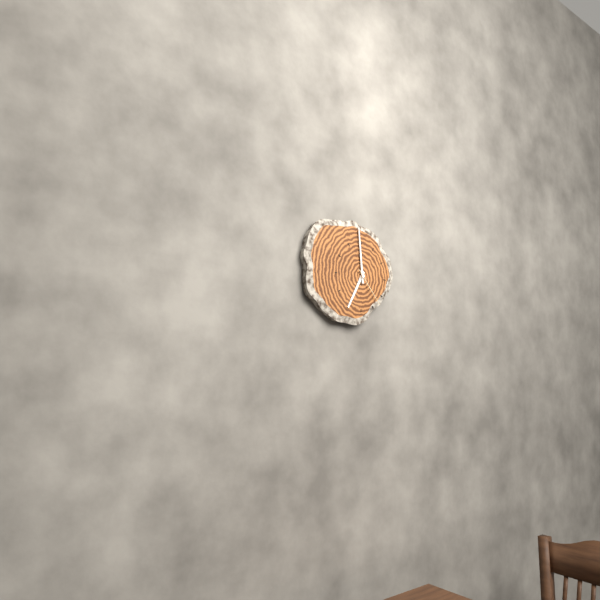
6:59
